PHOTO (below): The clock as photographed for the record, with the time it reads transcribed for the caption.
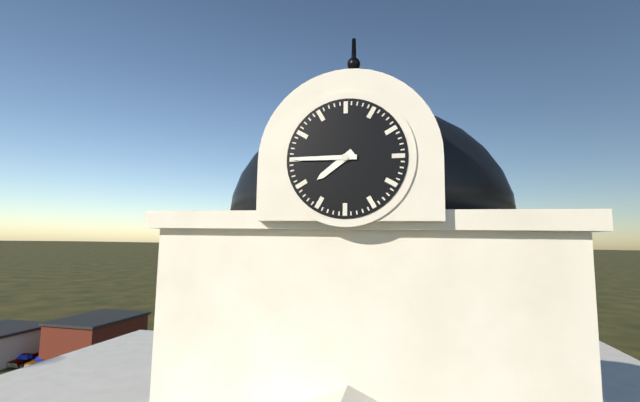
7:45
